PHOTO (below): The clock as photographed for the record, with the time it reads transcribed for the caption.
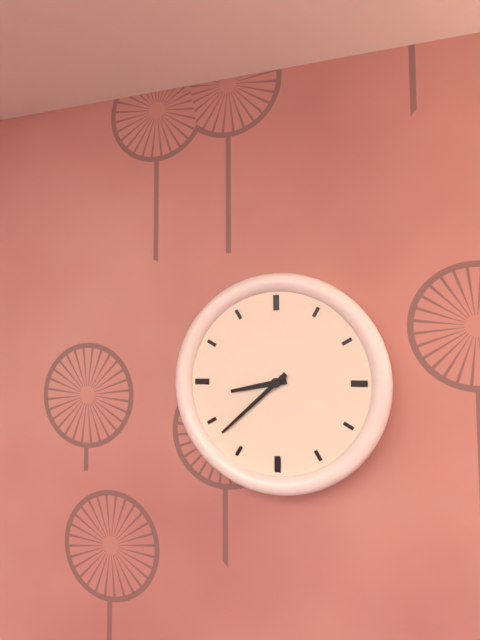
8:38
